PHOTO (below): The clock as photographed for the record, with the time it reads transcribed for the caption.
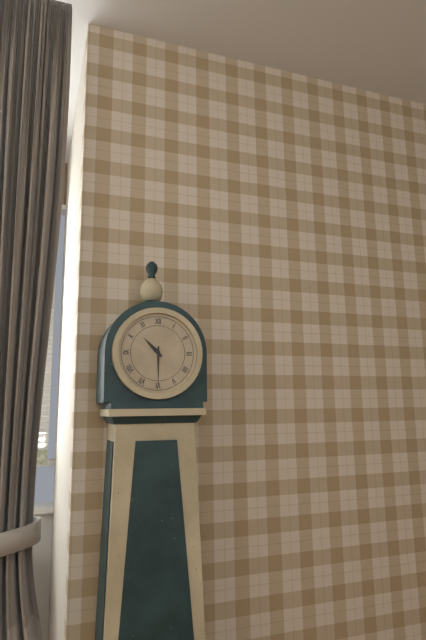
10:30
